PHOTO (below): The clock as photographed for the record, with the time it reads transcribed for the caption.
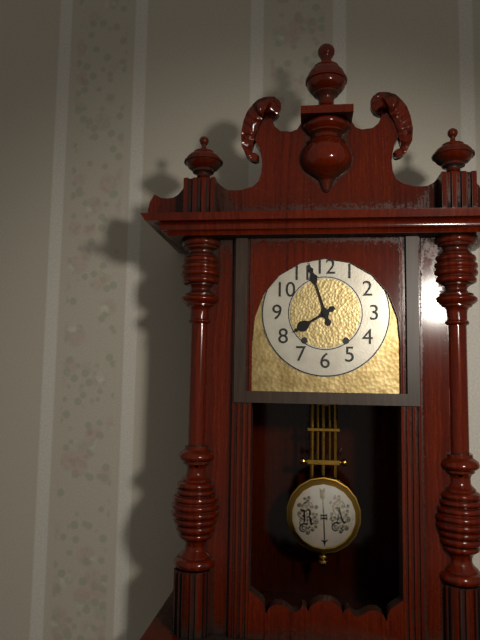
7:57
